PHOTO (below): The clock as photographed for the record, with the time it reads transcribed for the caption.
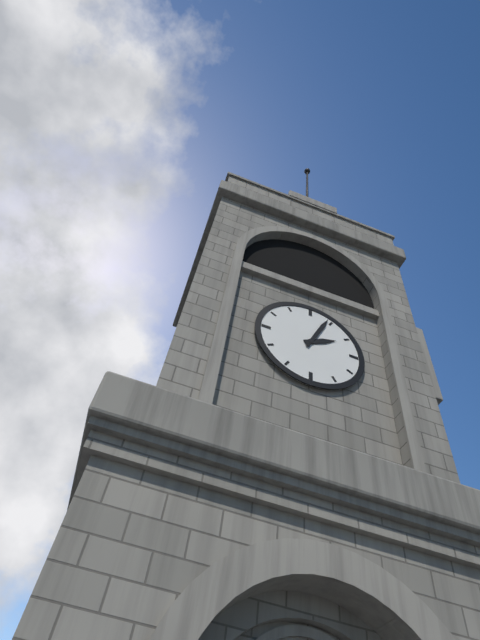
2:04
